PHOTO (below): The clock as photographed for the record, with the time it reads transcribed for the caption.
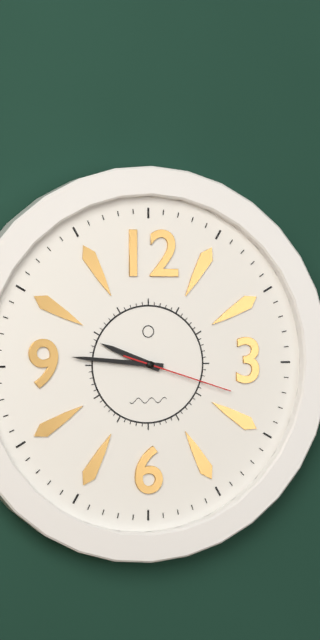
9:46:18
